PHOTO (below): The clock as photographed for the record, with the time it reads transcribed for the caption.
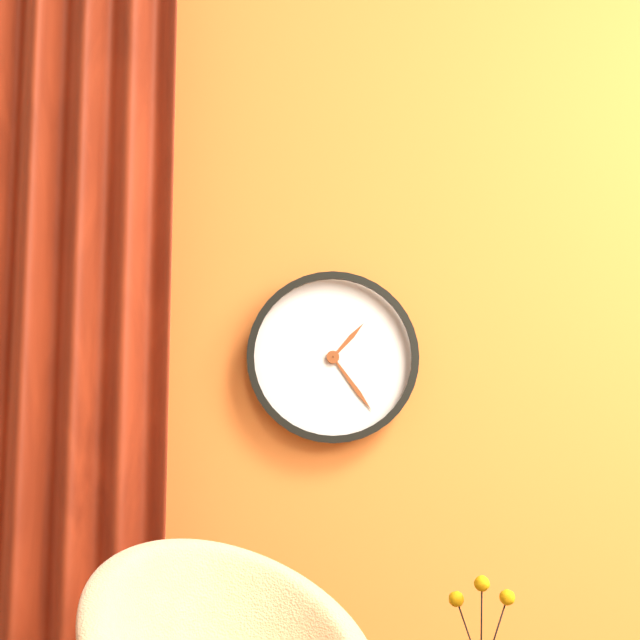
1:24
